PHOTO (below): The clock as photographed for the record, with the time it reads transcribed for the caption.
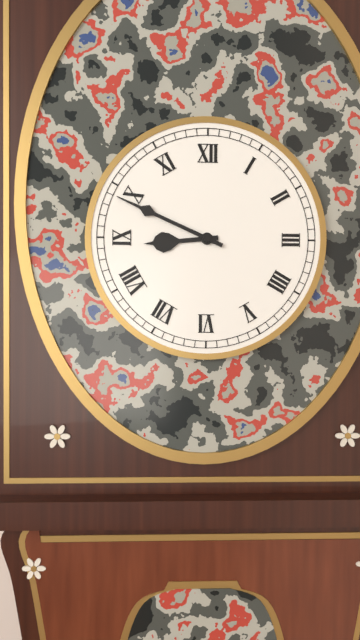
8:49
